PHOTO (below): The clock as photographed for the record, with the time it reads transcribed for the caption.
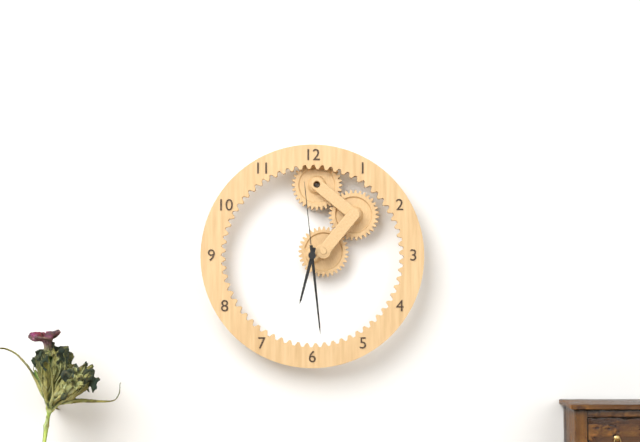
6:29:59
